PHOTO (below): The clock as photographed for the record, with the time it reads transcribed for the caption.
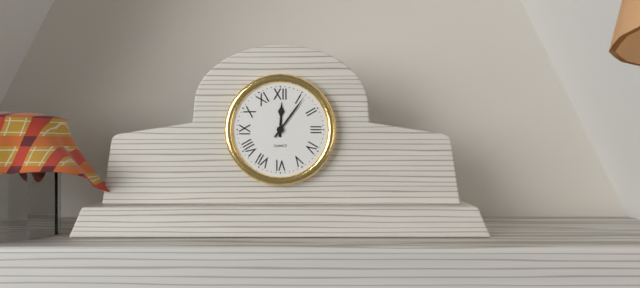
12:06
